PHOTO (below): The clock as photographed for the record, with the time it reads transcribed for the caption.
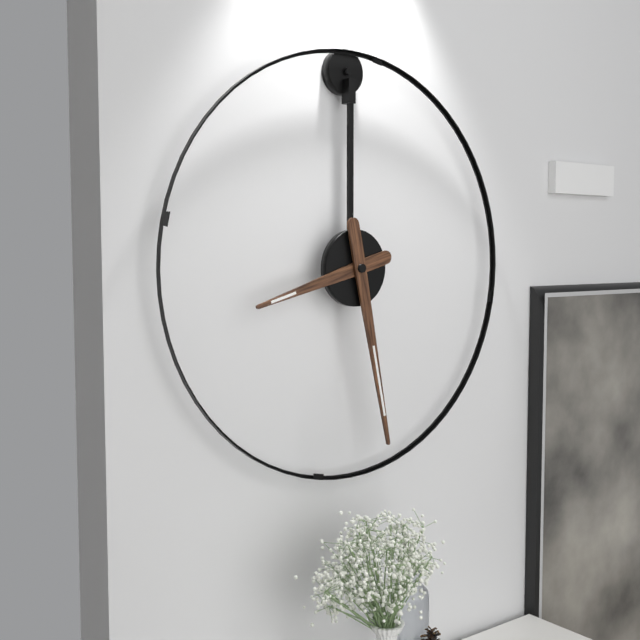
8:28
